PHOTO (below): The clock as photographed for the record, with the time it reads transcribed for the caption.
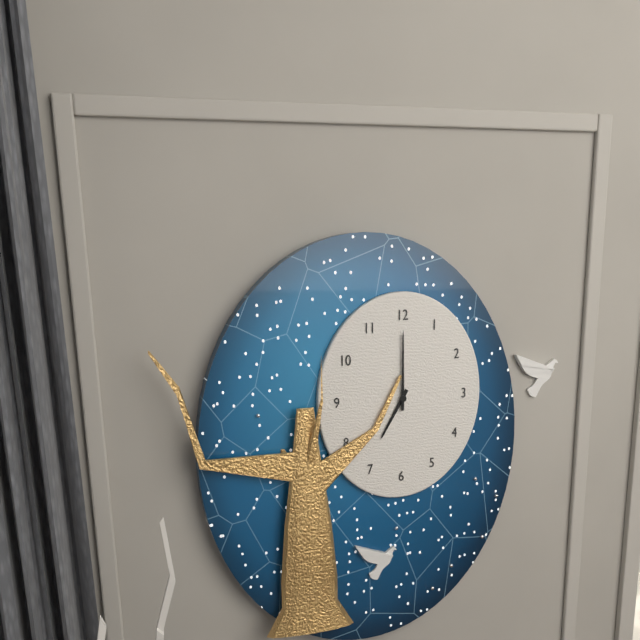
7:00
